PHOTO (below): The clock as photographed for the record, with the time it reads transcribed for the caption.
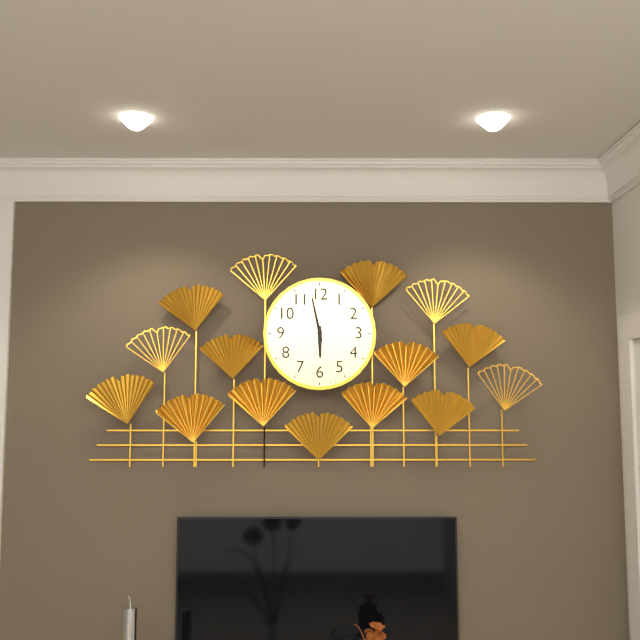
5:58
